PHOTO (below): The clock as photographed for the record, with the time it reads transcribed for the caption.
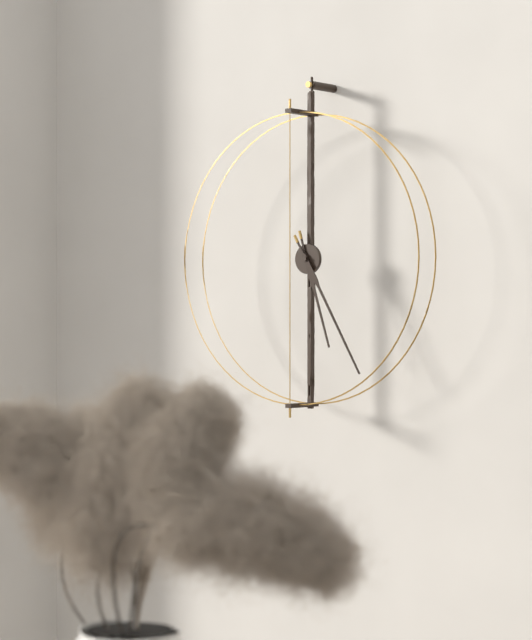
5:25
